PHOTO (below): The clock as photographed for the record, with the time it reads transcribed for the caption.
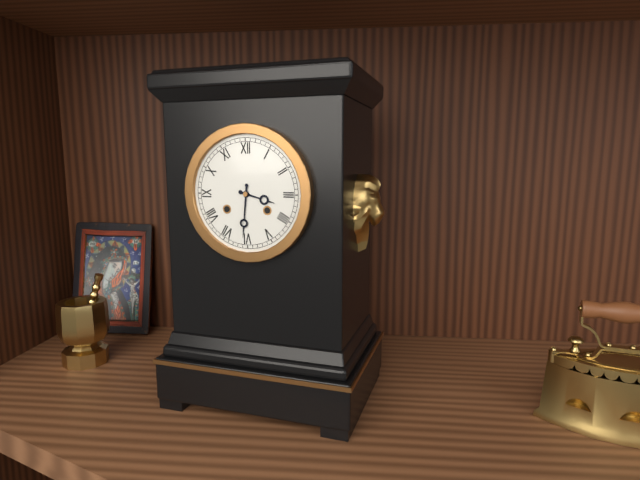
3:31
